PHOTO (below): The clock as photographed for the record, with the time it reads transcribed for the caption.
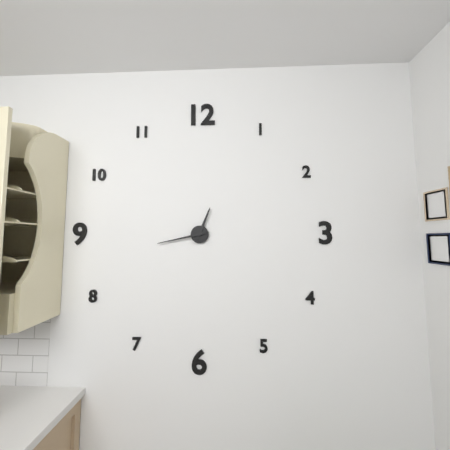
12:43
